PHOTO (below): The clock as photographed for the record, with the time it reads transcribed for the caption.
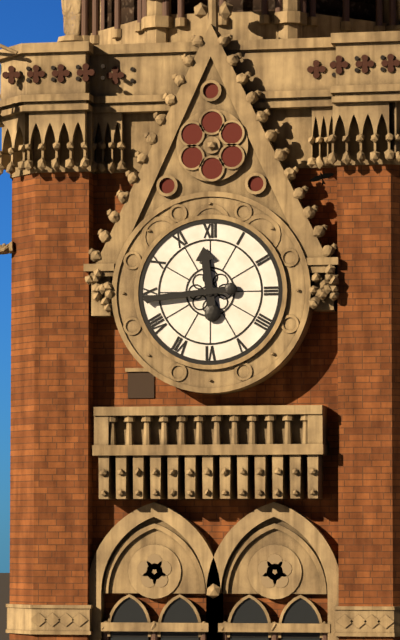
11:44
